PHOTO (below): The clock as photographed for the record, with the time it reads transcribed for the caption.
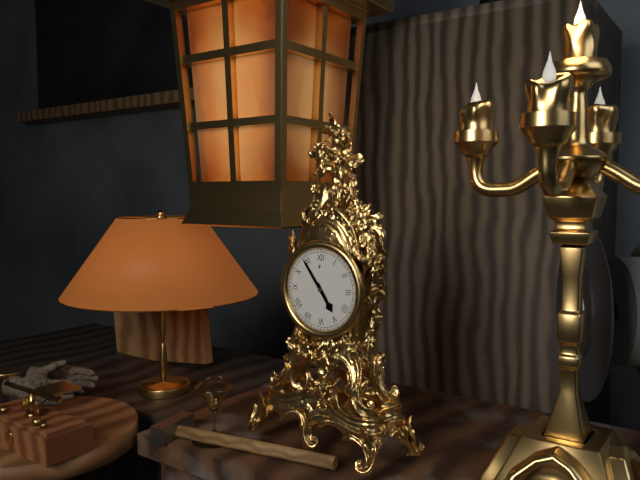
4:54
